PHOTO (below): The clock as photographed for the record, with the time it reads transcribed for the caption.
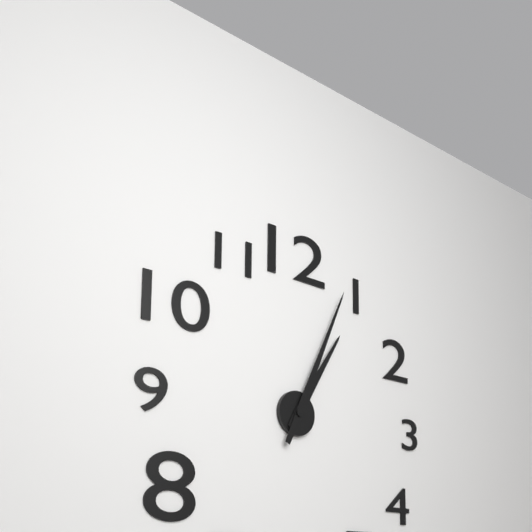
1:04
